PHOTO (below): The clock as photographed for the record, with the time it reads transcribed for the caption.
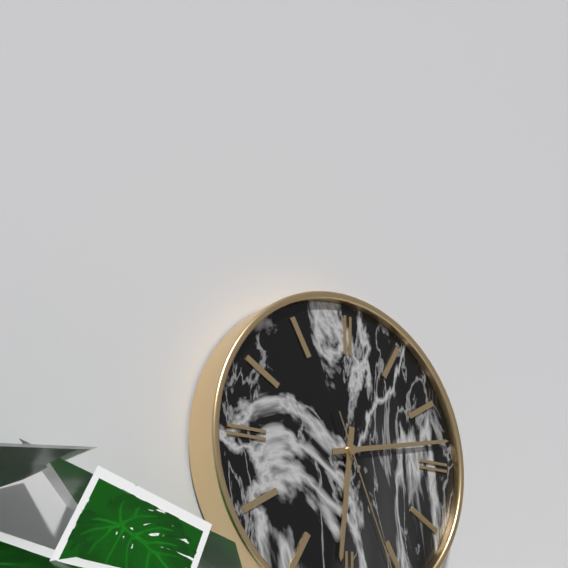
6:13
